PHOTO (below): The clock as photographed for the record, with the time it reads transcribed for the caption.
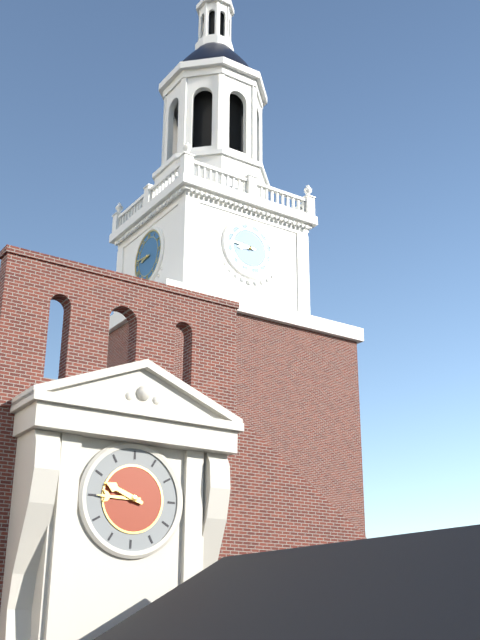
8:46
